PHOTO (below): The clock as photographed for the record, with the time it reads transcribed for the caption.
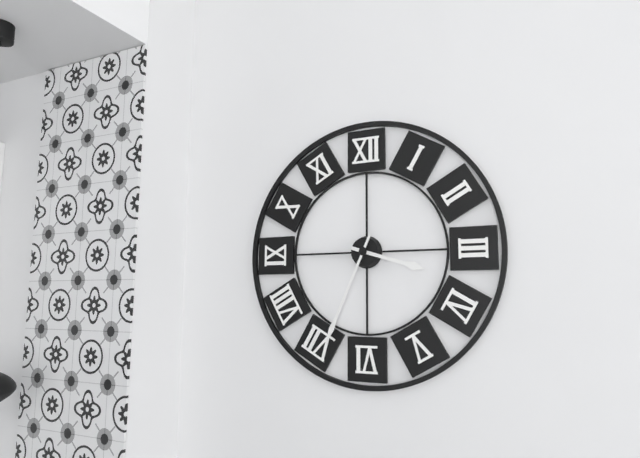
3:34
